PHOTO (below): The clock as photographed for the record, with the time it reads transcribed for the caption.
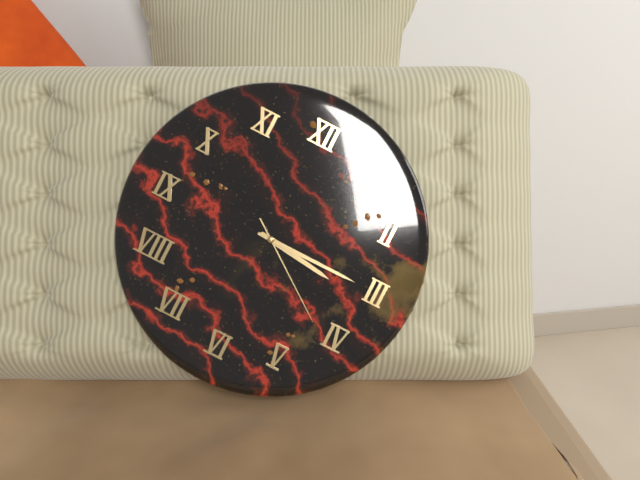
3:15:21
